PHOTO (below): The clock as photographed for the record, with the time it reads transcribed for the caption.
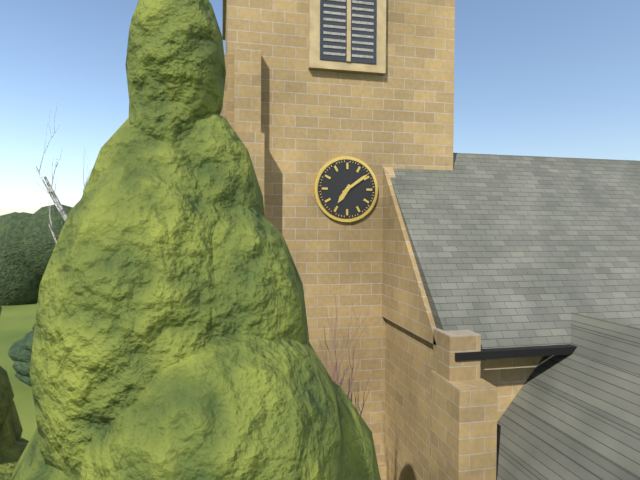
7:09
